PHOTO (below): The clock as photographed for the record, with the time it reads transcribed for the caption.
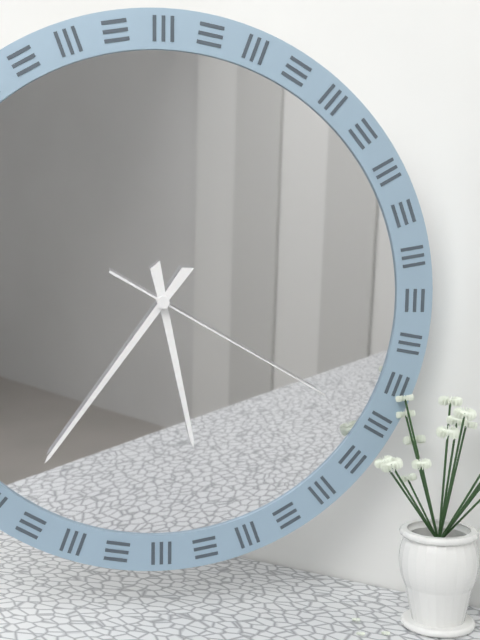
5:36:20
